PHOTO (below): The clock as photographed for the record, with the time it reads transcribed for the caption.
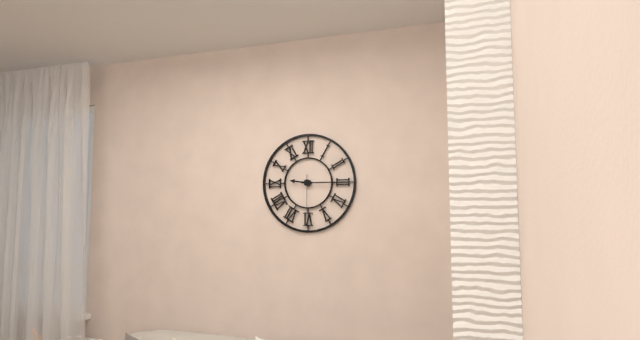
9:15
